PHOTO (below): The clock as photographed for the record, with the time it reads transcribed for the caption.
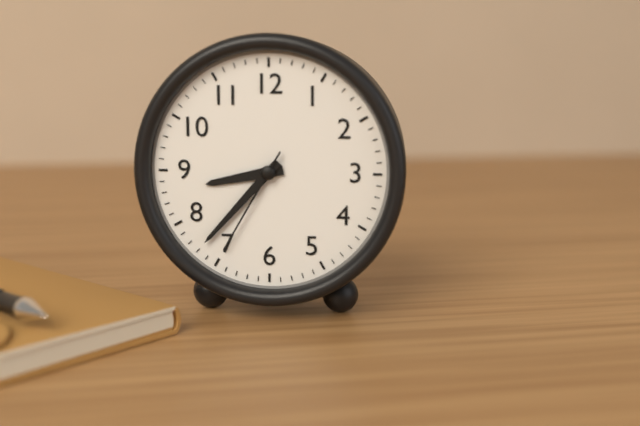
8:37:35
